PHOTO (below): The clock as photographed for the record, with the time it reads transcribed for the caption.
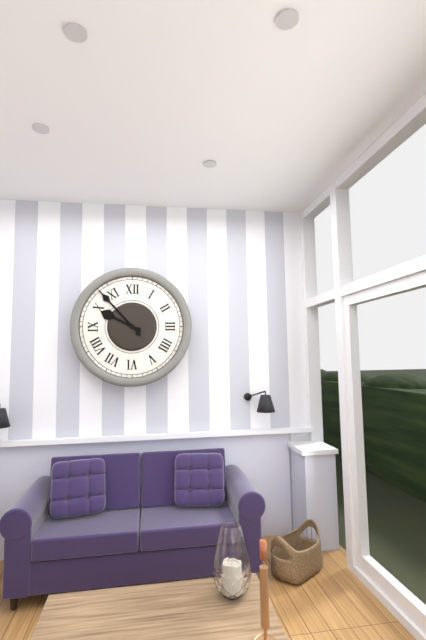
9:53
